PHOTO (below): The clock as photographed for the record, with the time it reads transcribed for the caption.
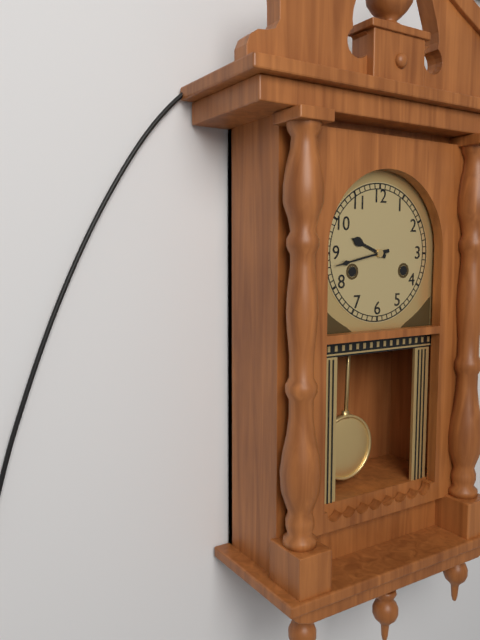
9:43
